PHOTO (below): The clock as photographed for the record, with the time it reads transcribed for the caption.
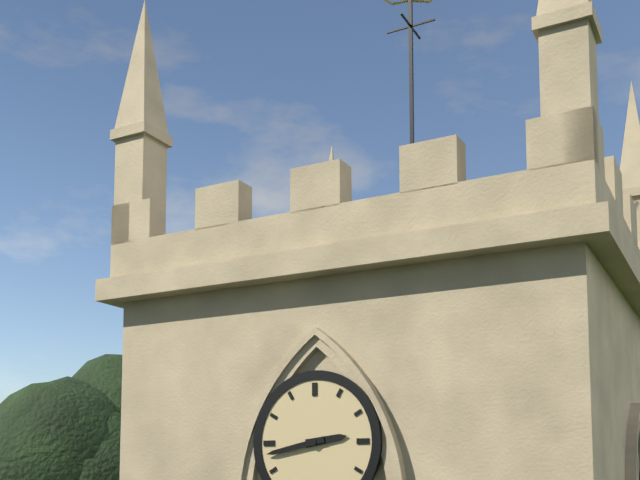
2:43
